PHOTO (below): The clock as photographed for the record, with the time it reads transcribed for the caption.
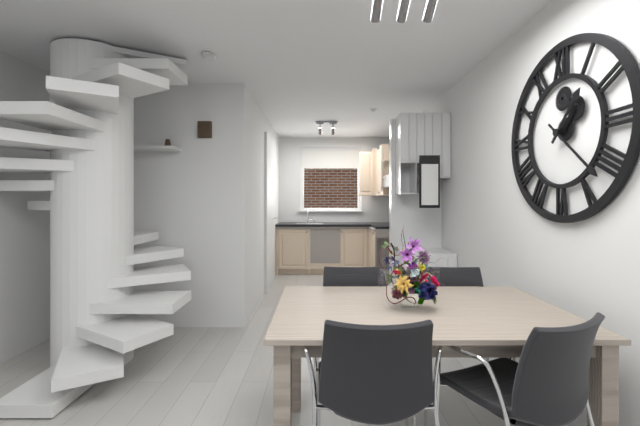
1:22
